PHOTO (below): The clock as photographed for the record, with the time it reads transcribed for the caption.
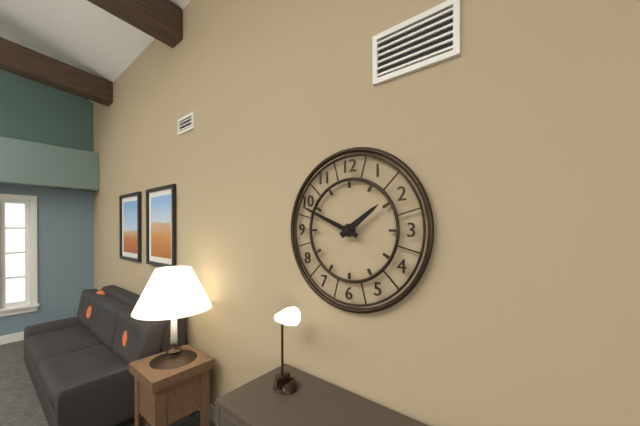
1:49
